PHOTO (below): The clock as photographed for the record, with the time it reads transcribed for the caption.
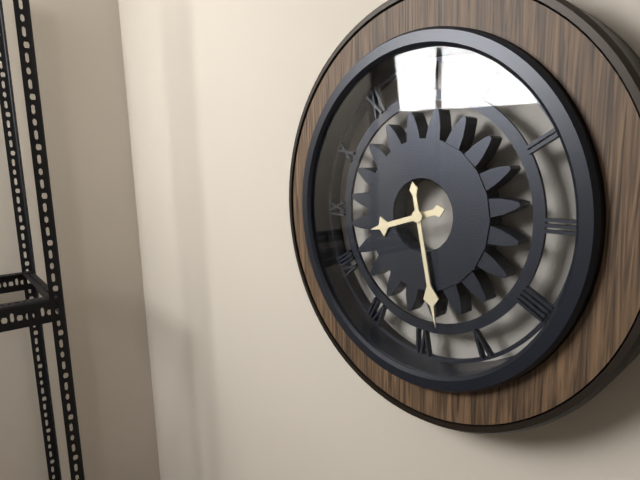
8:28
